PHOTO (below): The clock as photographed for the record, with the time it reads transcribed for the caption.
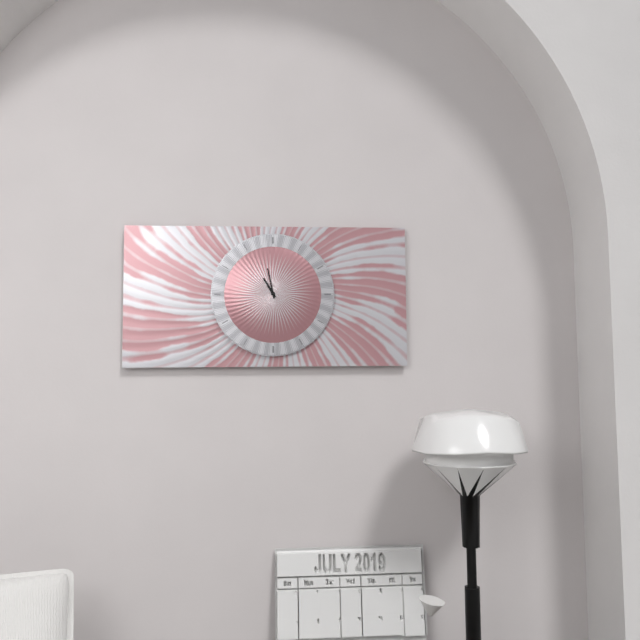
10:58
